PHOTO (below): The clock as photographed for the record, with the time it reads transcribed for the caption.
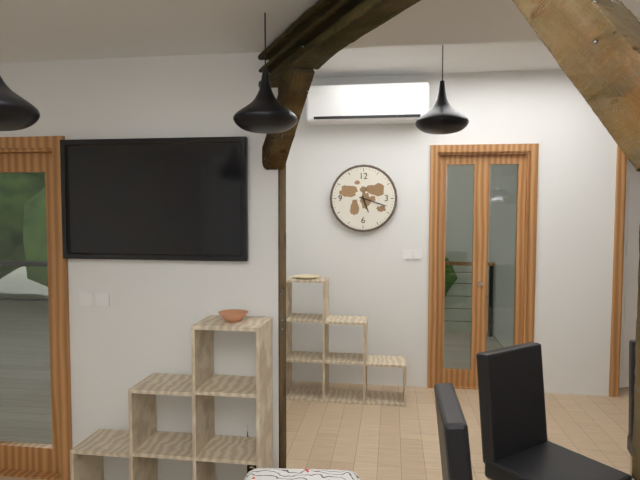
5:18
